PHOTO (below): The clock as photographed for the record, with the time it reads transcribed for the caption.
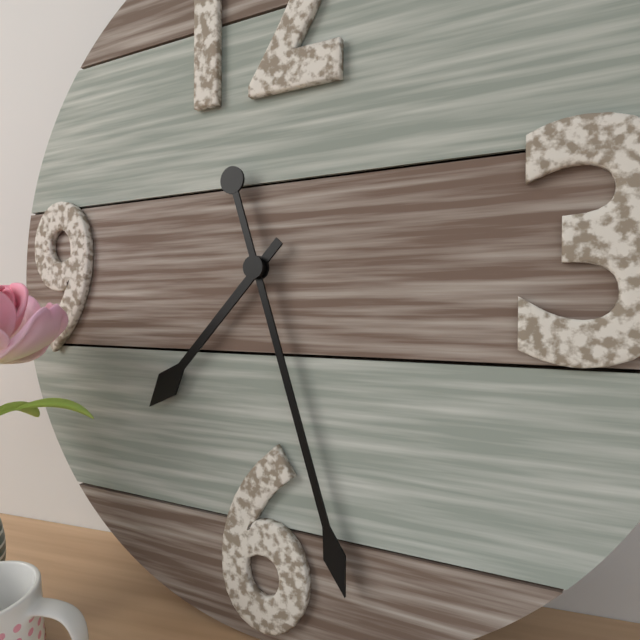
7:27
